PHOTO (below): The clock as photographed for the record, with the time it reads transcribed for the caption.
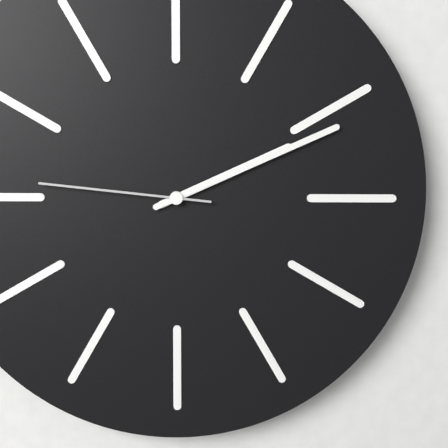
2:11:46
